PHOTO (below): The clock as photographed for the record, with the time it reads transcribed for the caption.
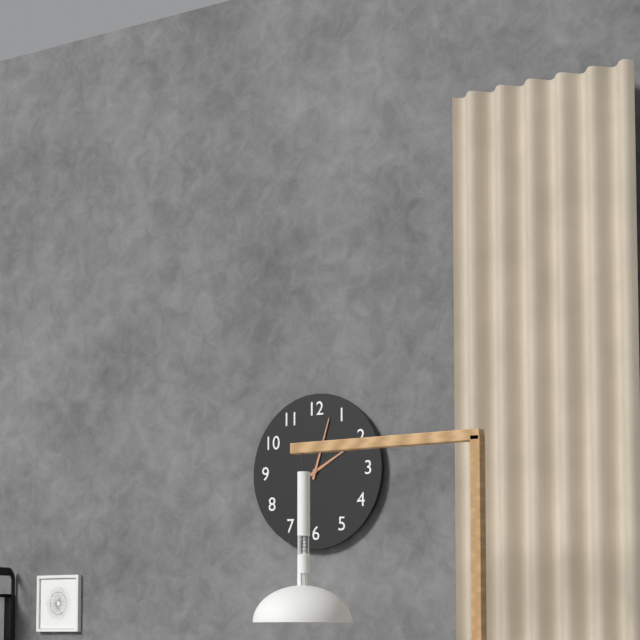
2:03
